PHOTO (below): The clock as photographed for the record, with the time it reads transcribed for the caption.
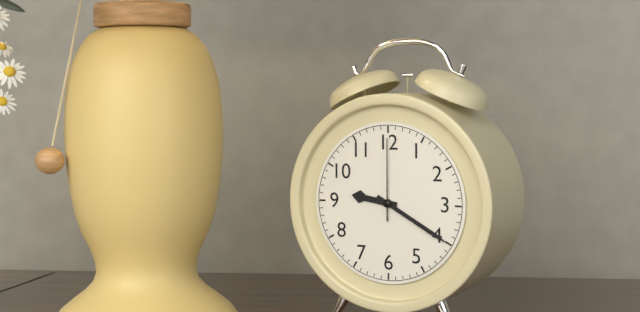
9:20:00
